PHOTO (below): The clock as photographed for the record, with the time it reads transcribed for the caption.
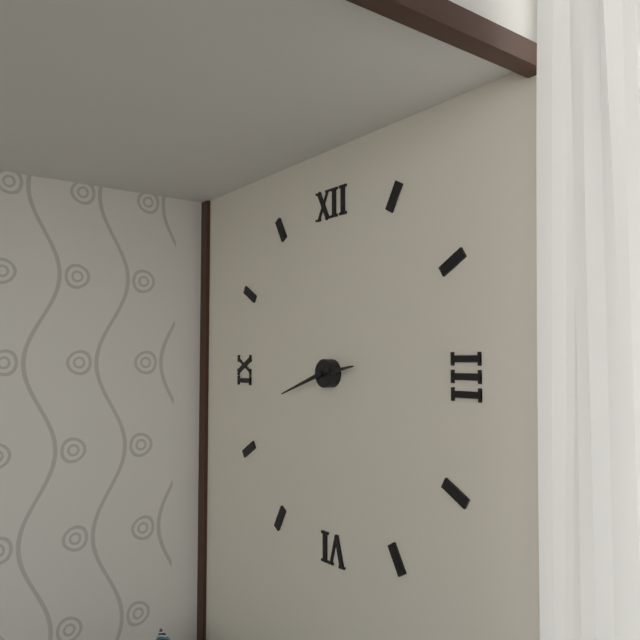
2:42
